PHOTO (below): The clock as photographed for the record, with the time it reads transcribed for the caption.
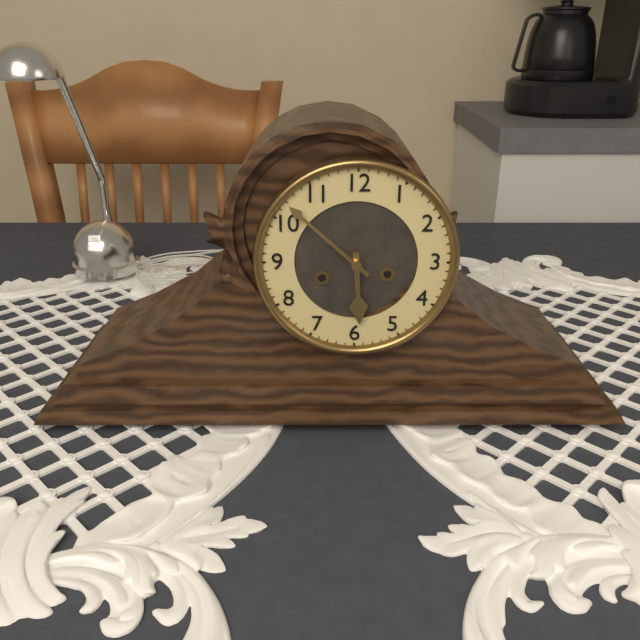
5:52
